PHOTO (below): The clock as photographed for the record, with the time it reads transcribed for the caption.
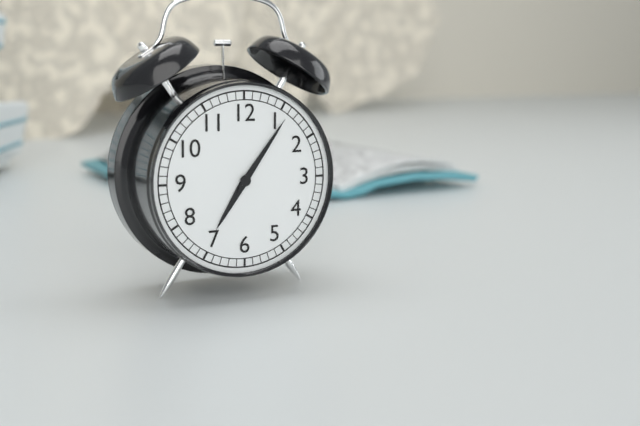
7:06
